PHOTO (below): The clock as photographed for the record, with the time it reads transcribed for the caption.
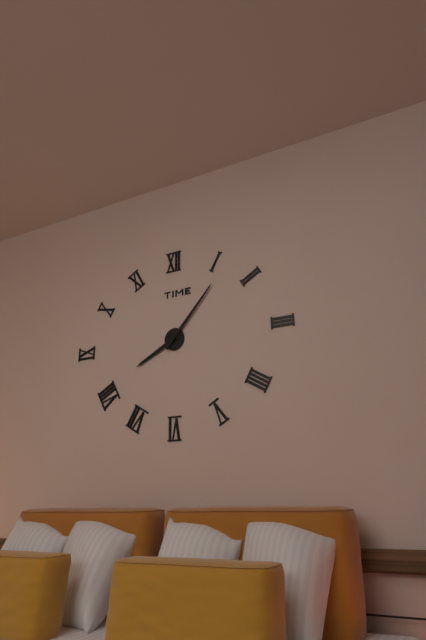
8:07
